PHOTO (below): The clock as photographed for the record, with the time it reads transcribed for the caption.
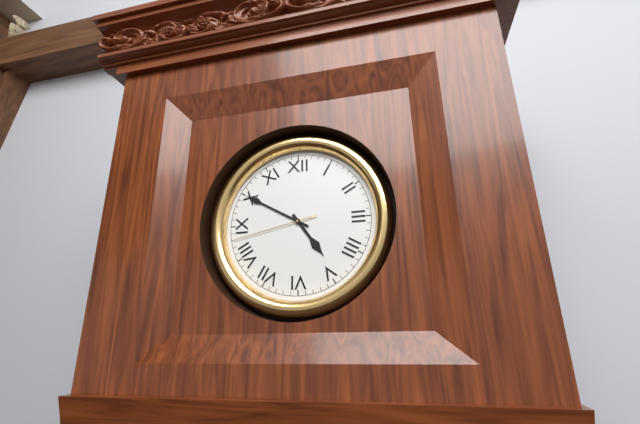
4:50:43
